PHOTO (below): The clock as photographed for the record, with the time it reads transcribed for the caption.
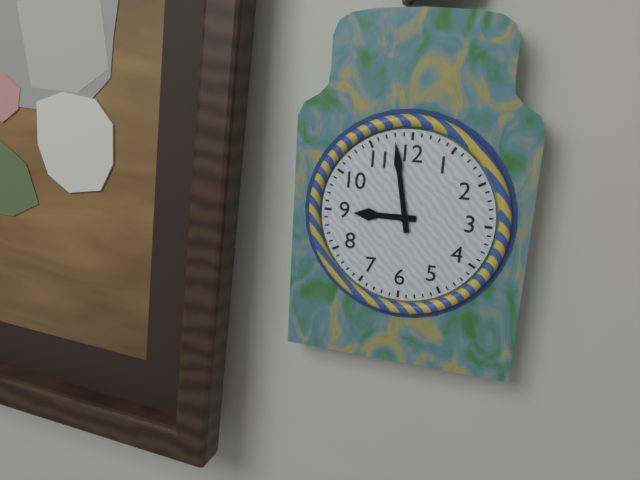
8:58
